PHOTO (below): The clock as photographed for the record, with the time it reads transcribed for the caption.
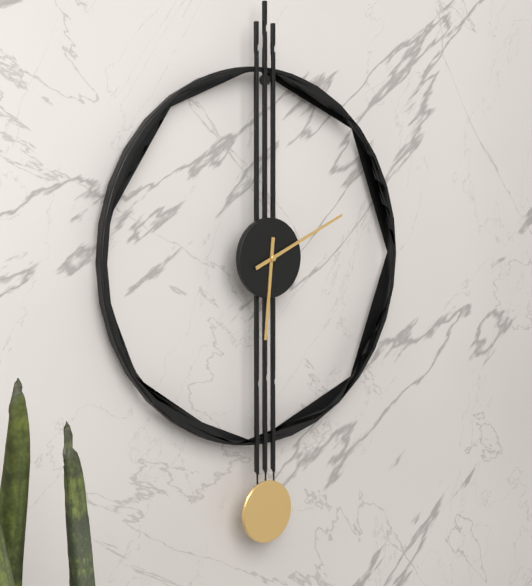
6:11
